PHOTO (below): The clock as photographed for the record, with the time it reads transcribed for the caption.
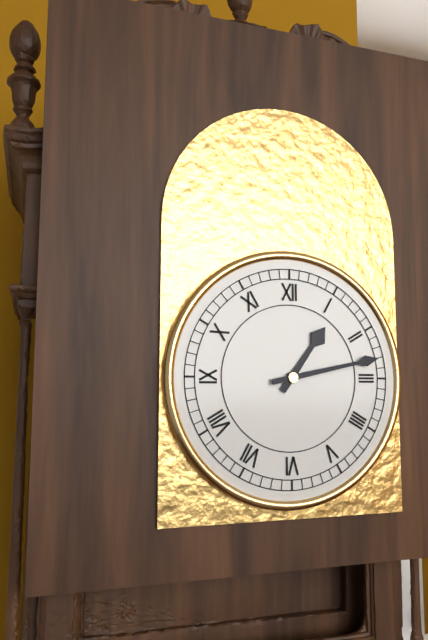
1:13
